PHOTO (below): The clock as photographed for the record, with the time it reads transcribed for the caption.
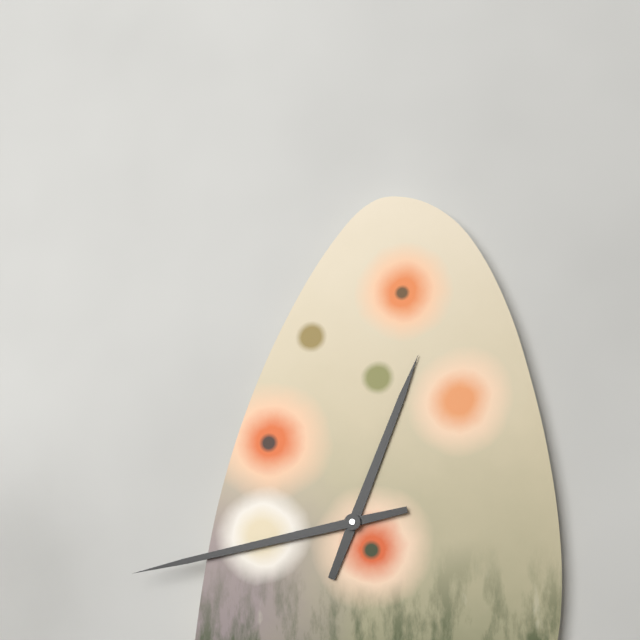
12:43
